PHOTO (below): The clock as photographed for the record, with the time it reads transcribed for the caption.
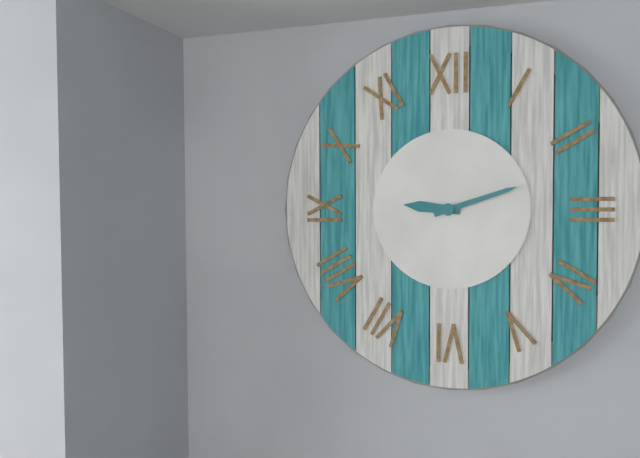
9:12
